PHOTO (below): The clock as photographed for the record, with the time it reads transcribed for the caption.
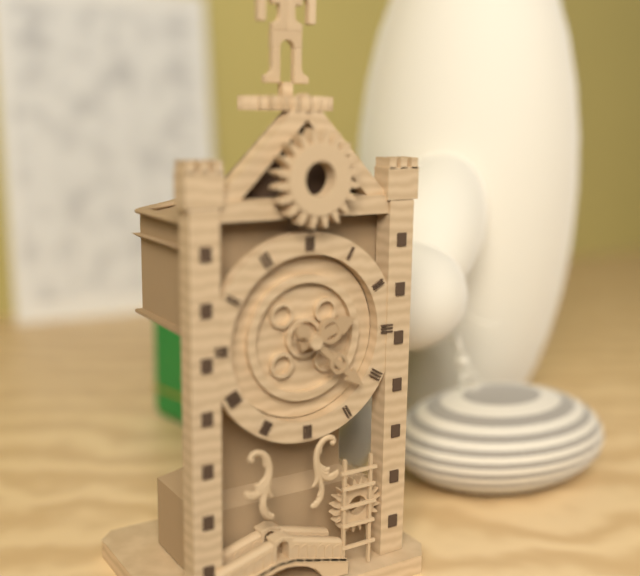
2:22
